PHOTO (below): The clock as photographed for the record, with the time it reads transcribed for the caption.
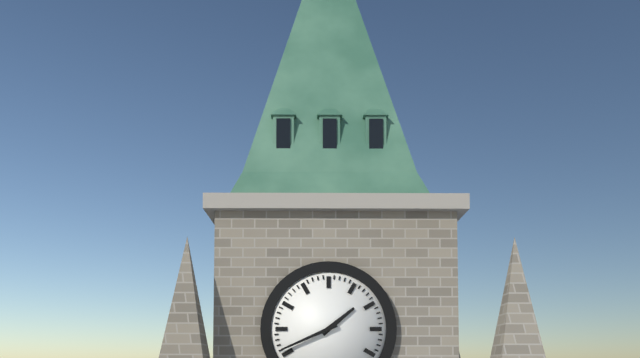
1:41
